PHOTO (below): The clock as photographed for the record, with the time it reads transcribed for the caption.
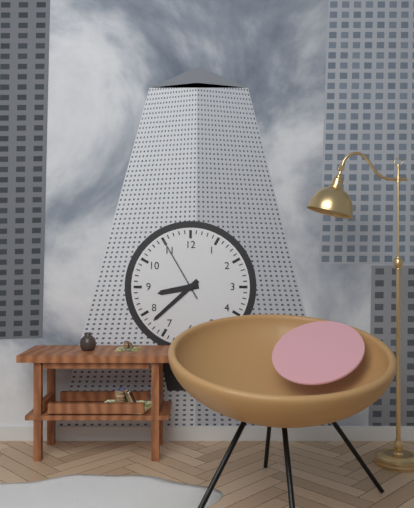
8:38:55
